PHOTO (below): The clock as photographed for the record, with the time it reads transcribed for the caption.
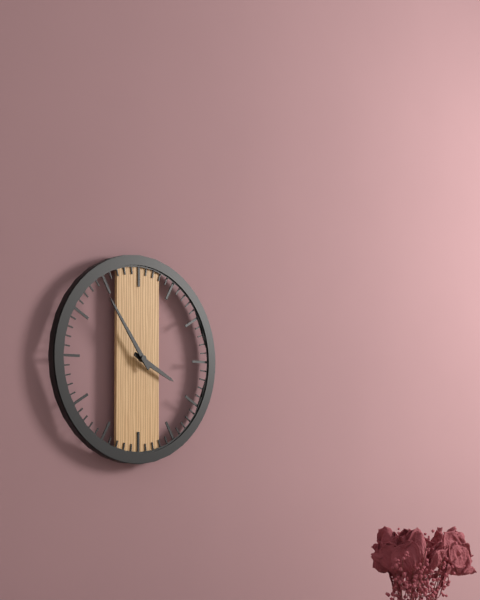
3:54
